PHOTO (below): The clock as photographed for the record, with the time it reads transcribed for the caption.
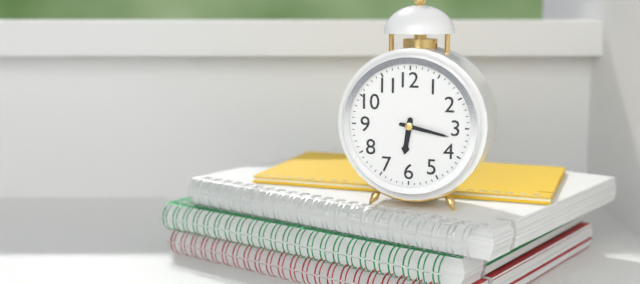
6:17
